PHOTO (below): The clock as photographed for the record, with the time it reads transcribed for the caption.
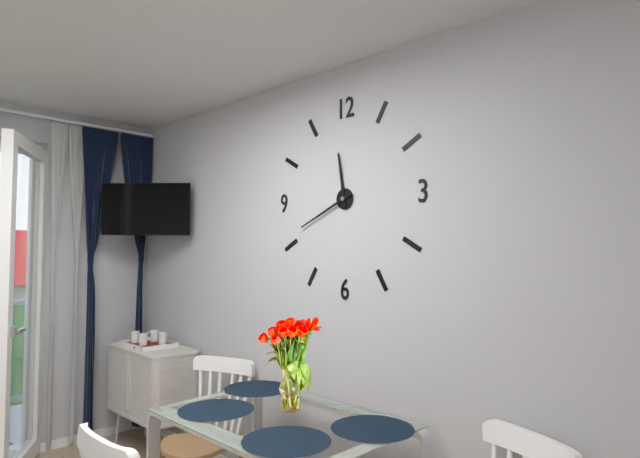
11:41
